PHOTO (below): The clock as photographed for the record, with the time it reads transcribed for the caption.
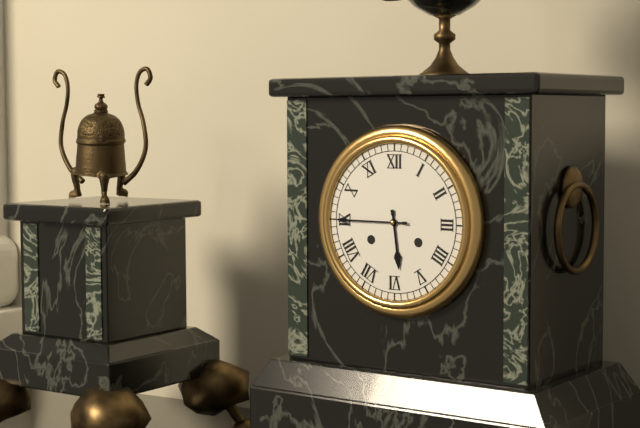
5:45
